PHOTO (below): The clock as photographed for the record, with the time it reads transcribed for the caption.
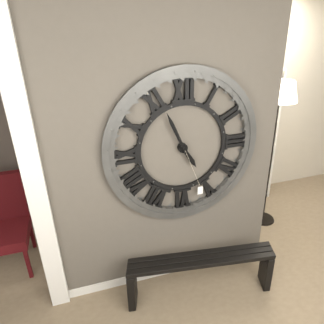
4:56
